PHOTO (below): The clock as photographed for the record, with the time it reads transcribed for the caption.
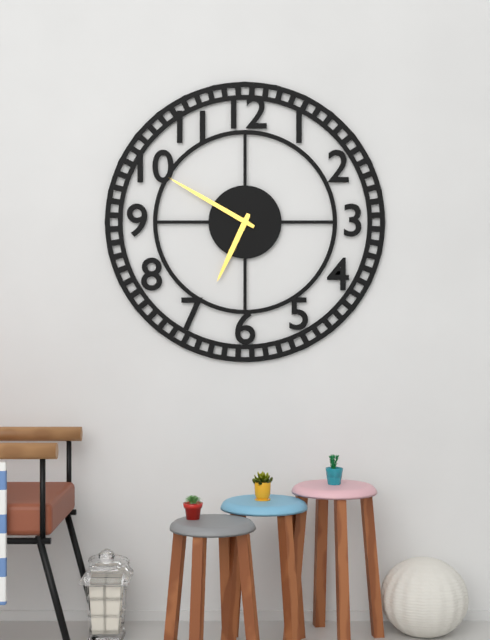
6:50
